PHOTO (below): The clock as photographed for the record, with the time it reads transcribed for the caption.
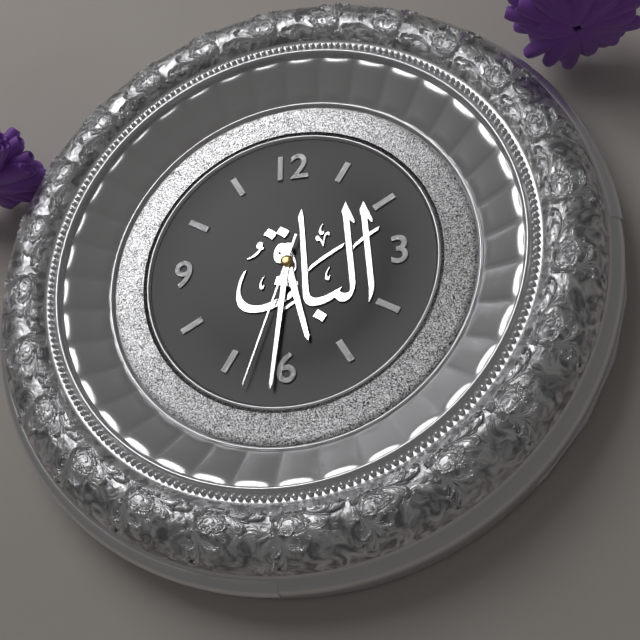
5:31:33
